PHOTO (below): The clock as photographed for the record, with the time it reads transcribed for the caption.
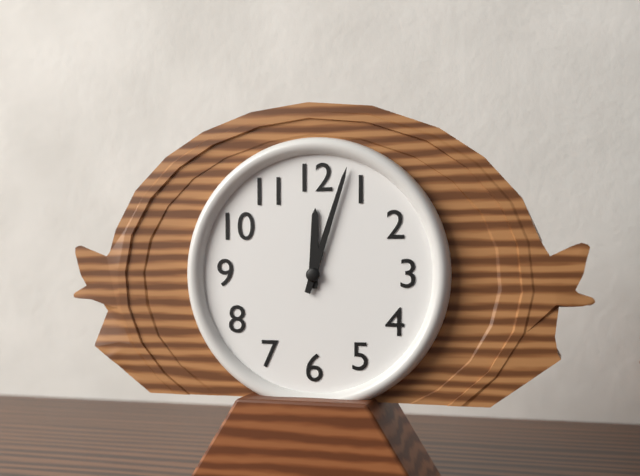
12:03
